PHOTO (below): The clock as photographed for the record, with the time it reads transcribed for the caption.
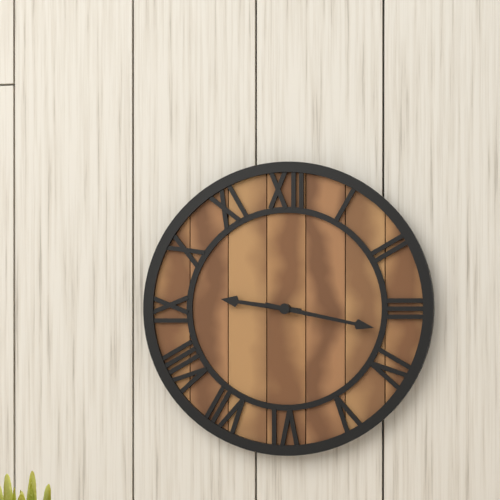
9:17
